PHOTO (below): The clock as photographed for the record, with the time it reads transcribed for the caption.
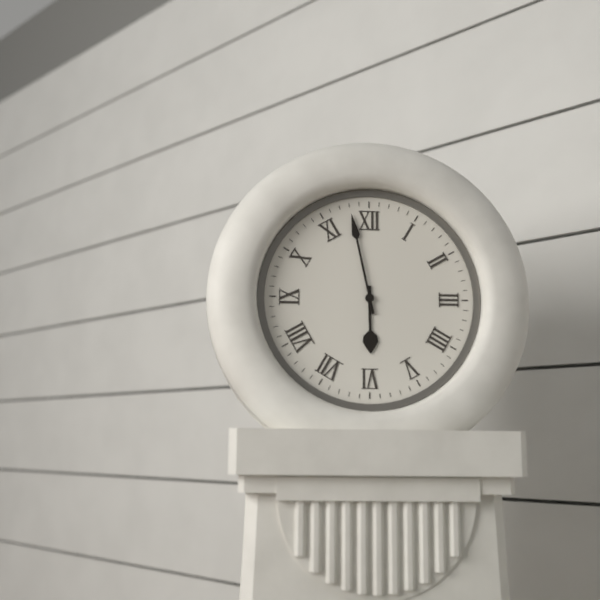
5:58
